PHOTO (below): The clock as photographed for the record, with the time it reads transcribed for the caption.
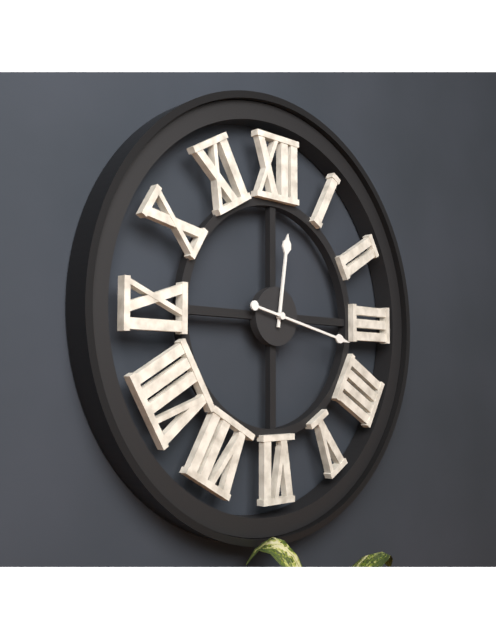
12:17
